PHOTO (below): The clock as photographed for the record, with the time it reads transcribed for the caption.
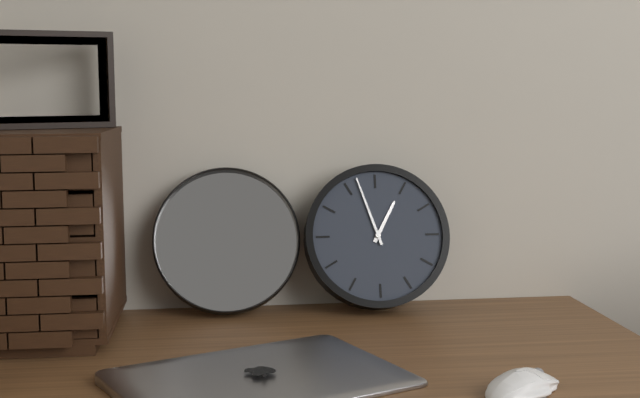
12:57
